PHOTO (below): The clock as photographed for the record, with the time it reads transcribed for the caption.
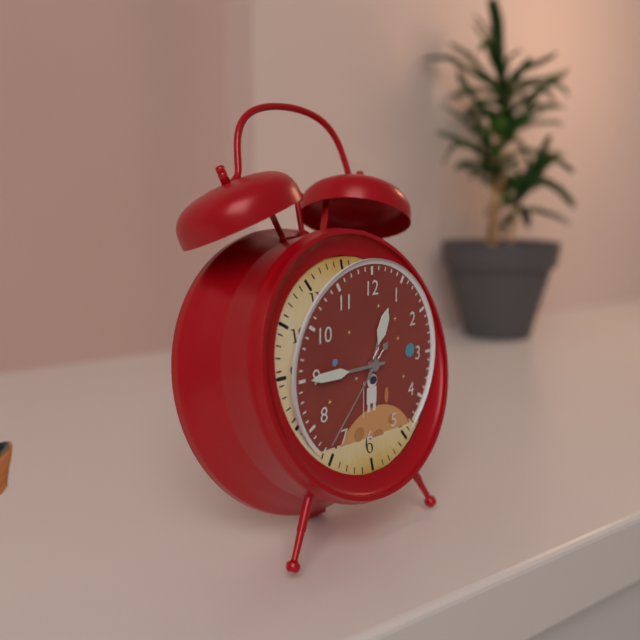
12:45:37
